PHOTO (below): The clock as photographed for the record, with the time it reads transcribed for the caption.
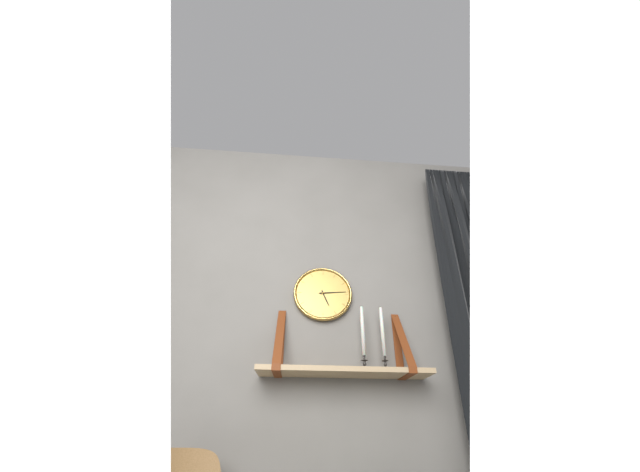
5:14
